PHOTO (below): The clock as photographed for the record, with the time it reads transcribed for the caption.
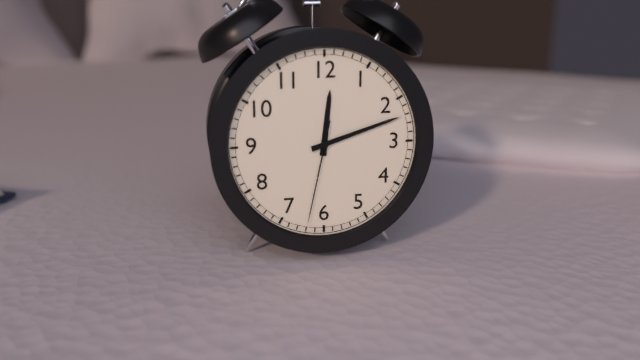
12:12:32
